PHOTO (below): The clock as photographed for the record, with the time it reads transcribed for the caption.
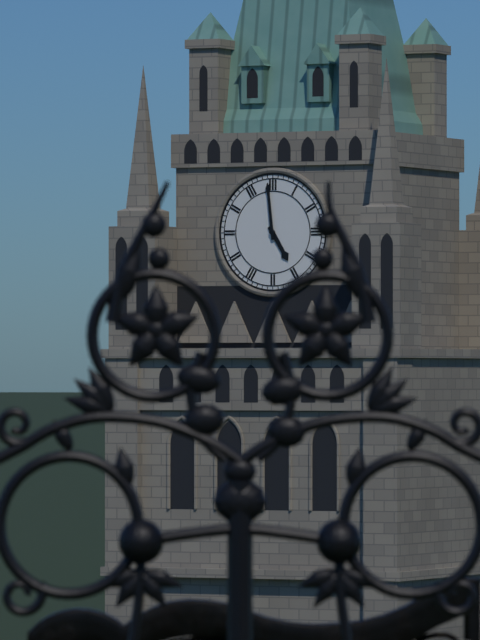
4:59
